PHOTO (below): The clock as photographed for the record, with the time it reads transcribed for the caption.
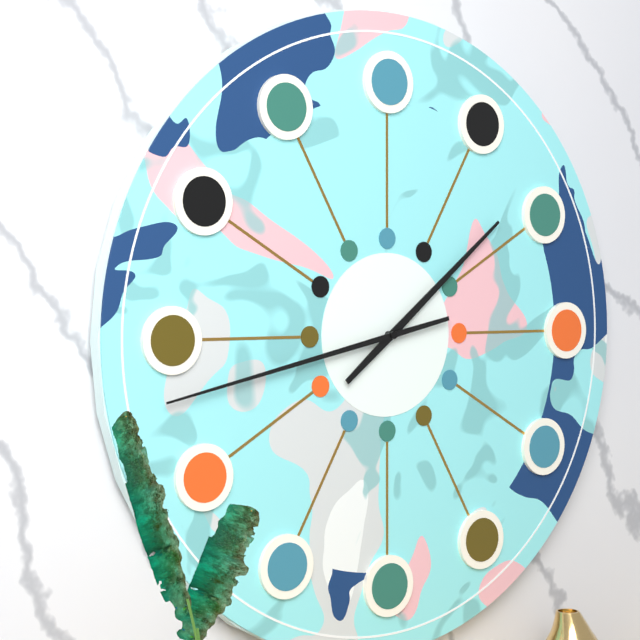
1:43
